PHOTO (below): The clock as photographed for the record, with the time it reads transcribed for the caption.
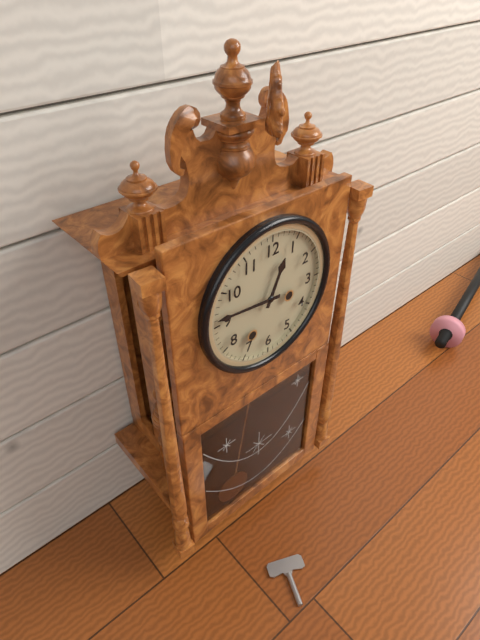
12:46
